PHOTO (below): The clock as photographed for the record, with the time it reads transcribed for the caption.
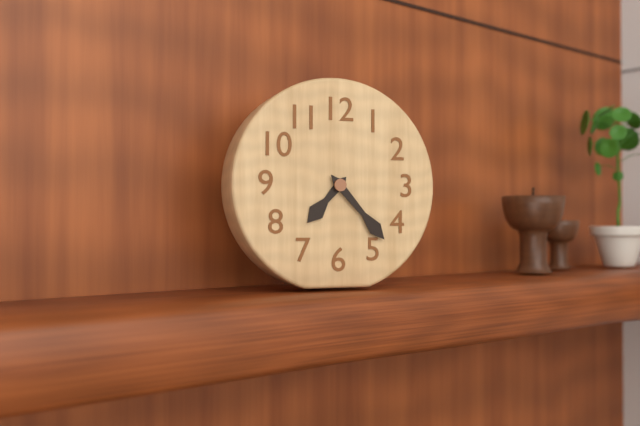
7:23
